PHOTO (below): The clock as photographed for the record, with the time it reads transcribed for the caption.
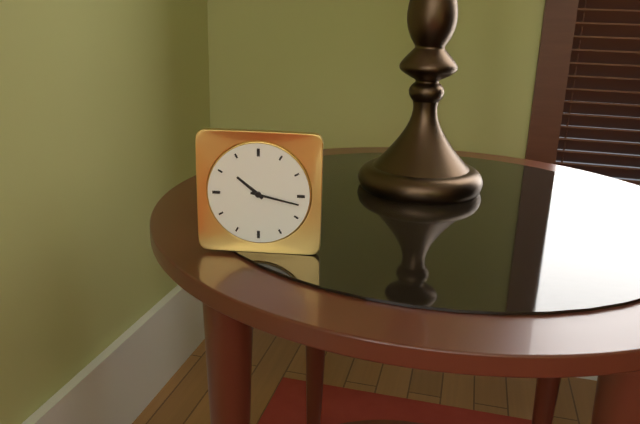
10:17
